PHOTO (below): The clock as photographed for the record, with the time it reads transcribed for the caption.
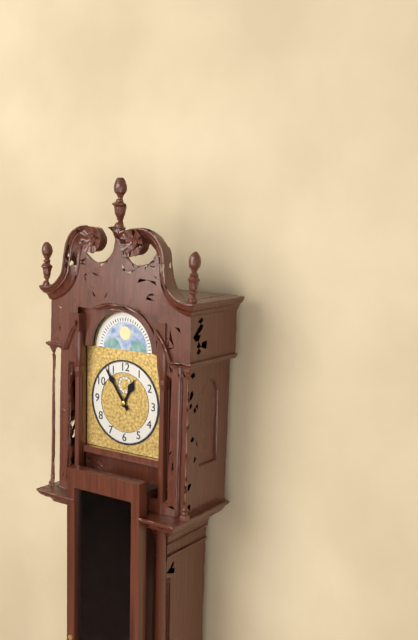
12:54
